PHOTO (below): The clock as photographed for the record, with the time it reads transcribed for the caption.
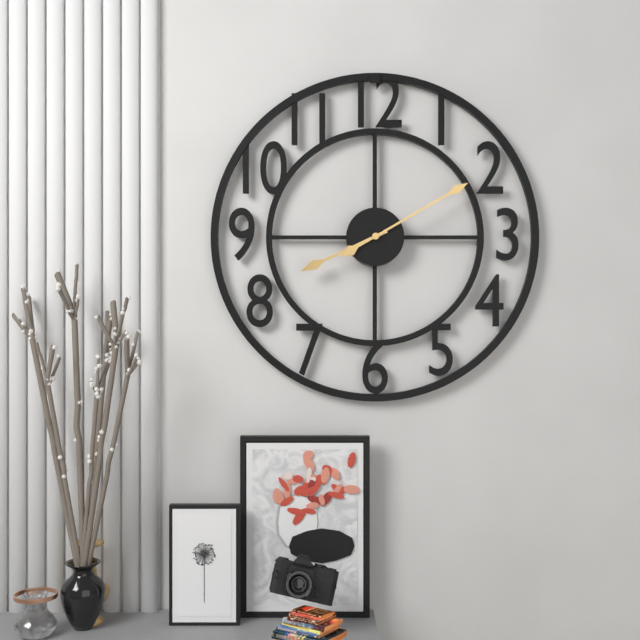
8:10
